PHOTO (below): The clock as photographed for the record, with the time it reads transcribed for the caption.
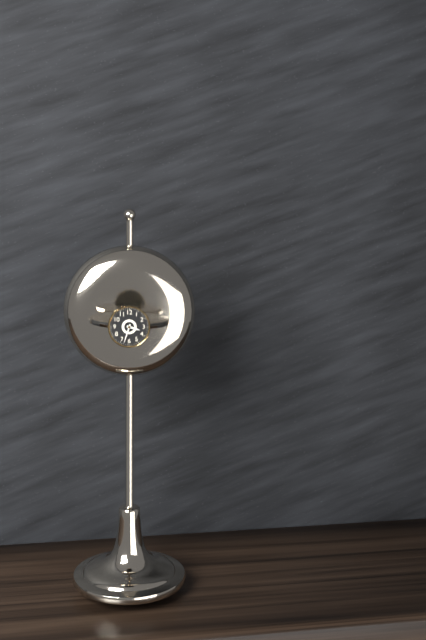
3:33
